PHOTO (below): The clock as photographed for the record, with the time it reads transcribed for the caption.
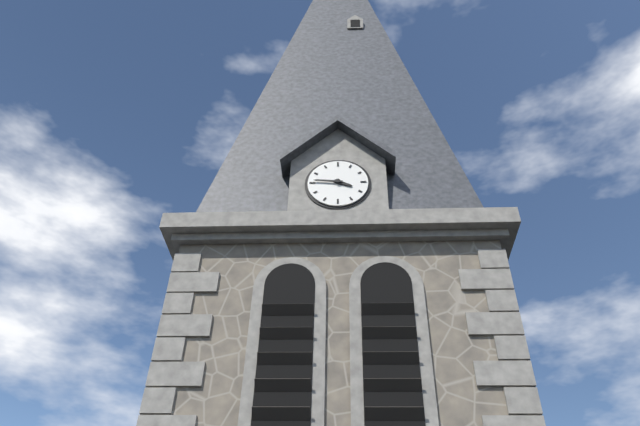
3:46
